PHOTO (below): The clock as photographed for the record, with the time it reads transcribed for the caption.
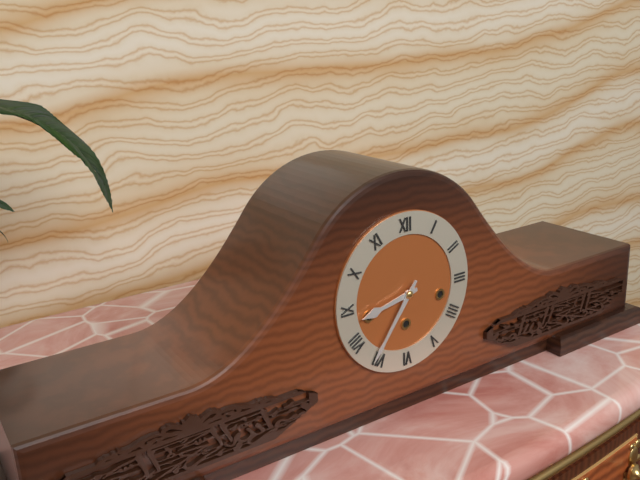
8:36
